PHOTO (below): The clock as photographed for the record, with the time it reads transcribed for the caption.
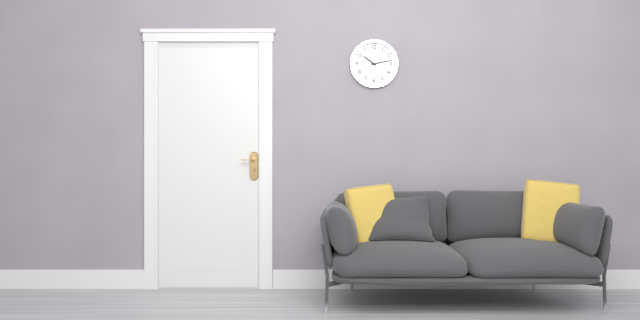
10:13
